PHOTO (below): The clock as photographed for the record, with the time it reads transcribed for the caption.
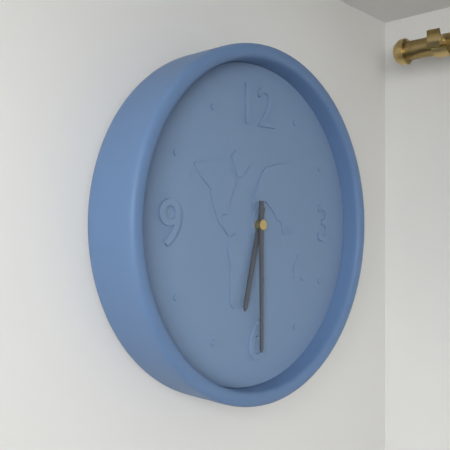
6:30
